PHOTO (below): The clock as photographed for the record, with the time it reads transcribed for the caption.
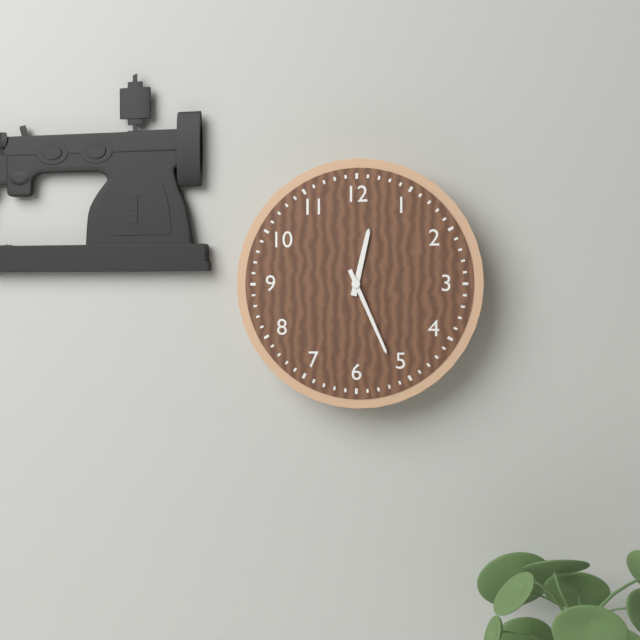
12:26
